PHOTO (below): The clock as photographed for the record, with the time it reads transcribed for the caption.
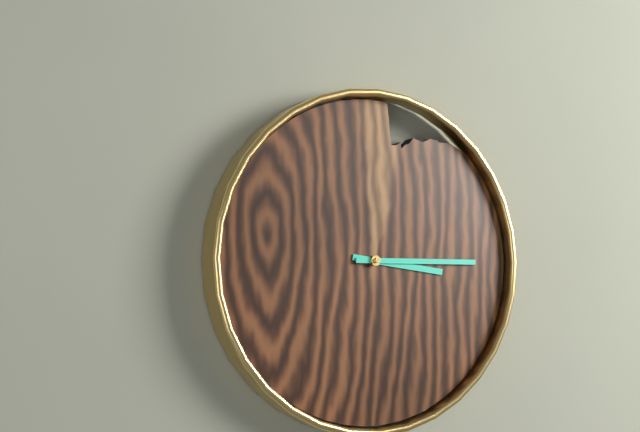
3:15
